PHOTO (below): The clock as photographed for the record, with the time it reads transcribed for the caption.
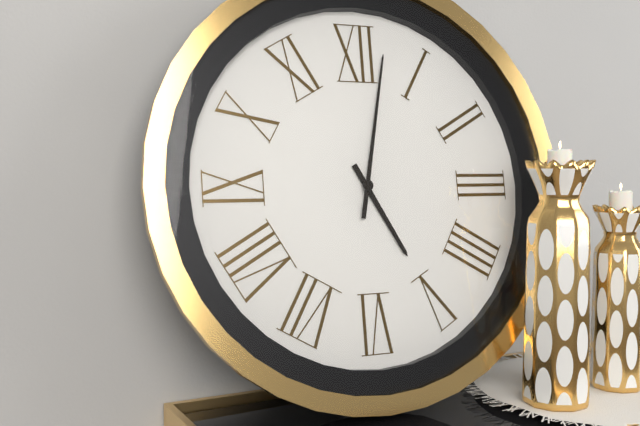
5:02
